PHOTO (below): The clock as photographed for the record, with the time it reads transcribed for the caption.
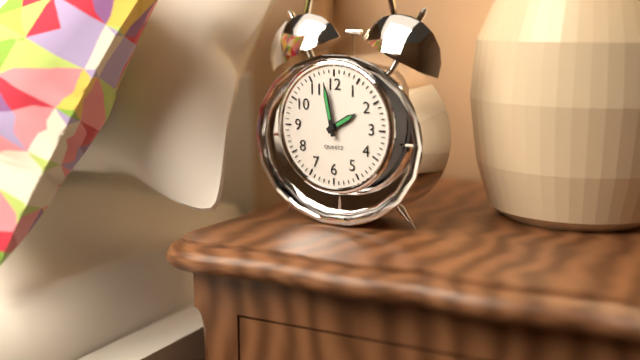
1:58
